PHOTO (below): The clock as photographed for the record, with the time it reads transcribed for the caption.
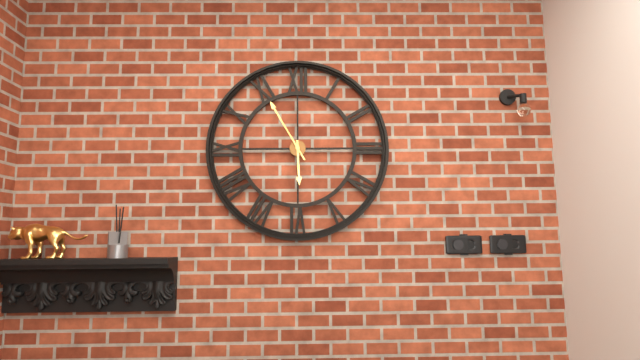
5:55
